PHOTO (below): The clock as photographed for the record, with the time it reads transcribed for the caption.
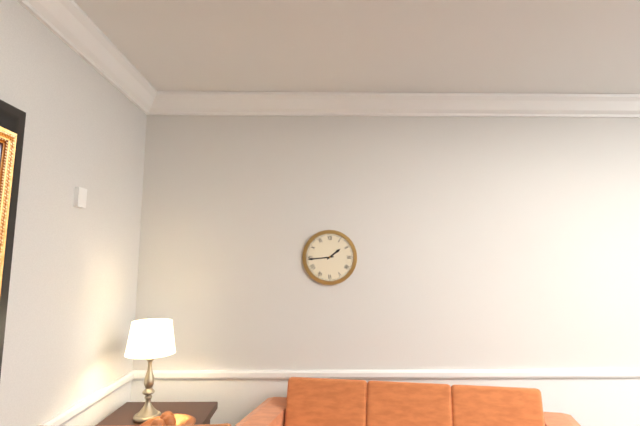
1:44
